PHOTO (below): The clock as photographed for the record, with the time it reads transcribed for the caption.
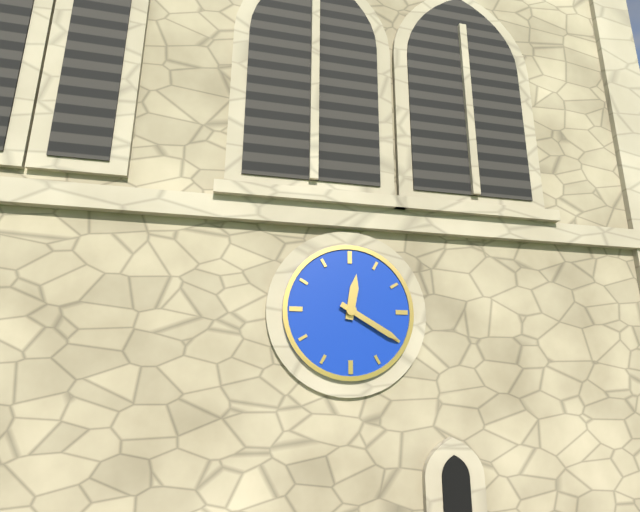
12:20
